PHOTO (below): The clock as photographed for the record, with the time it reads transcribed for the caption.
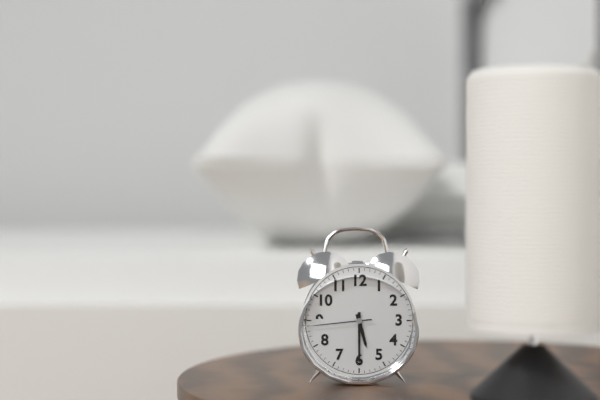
5:30:44
